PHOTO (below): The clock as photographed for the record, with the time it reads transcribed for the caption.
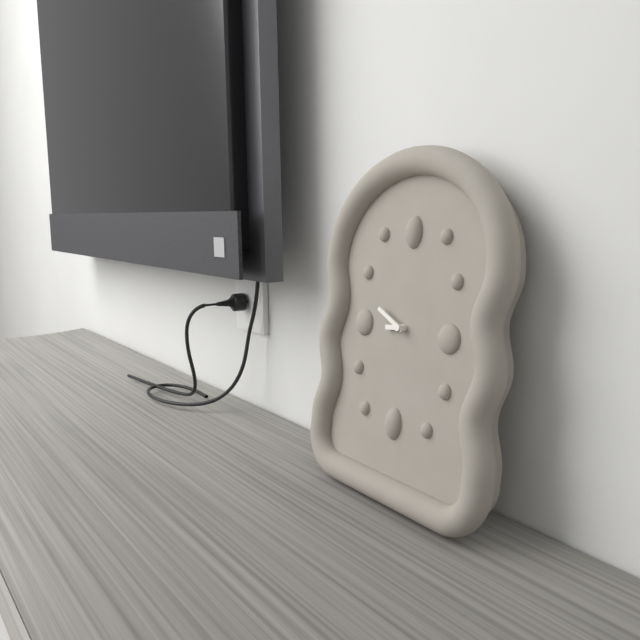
8:49
